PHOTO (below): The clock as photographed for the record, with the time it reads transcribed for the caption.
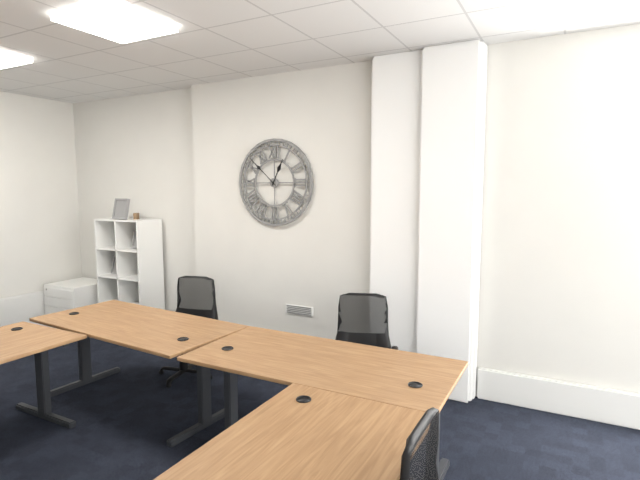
12:52
